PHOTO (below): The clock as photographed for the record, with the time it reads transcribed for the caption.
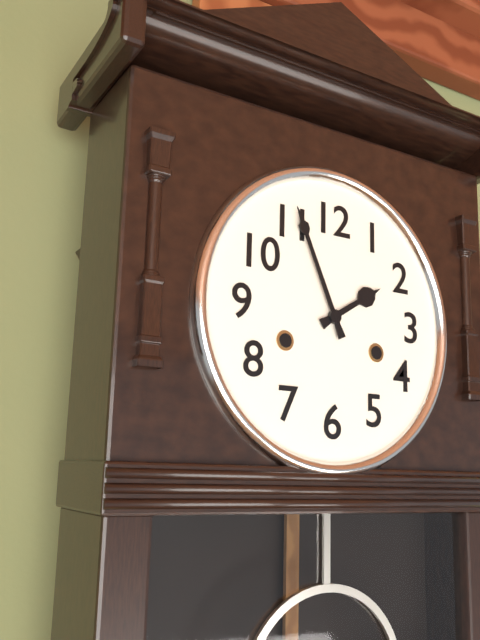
1:56
